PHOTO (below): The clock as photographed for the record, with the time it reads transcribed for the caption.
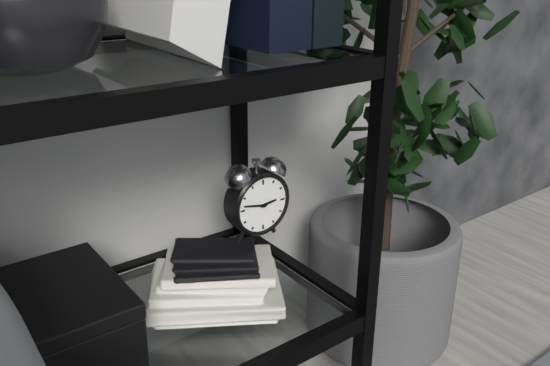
2:47
